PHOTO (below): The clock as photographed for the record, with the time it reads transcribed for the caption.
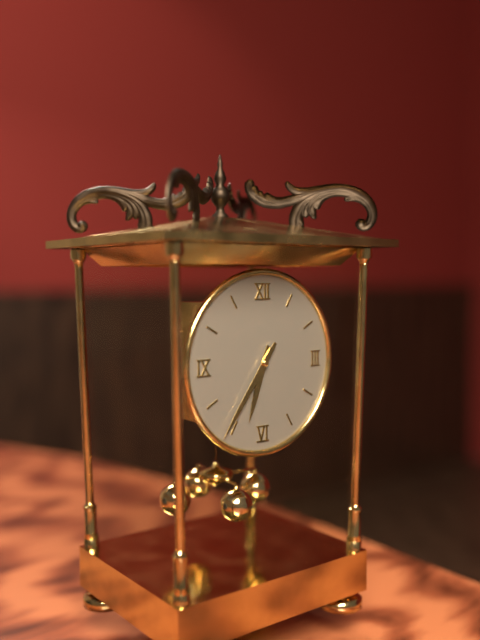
6:36
